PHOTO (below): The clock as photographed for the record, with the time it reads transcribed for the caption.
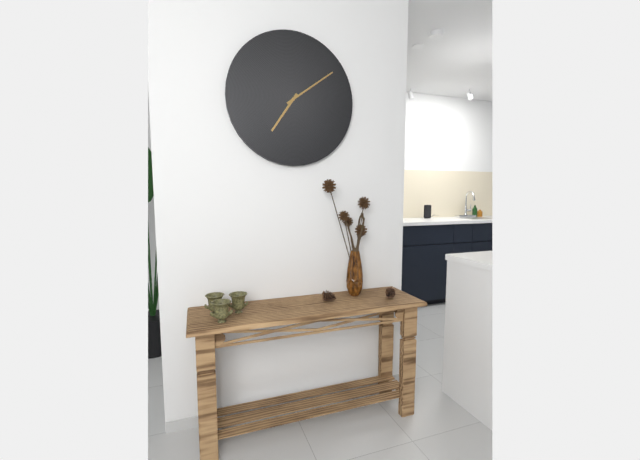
7:09
